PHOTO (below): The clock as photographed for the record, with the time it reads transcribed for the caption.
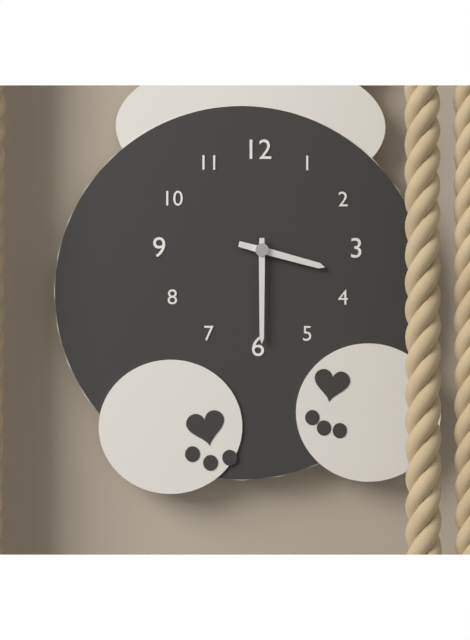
3:30
